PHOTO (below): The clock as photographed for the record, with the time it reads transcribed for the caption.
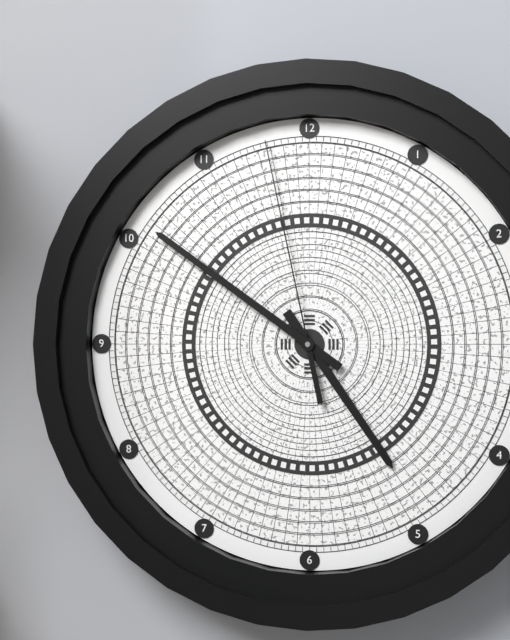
4:51:58
